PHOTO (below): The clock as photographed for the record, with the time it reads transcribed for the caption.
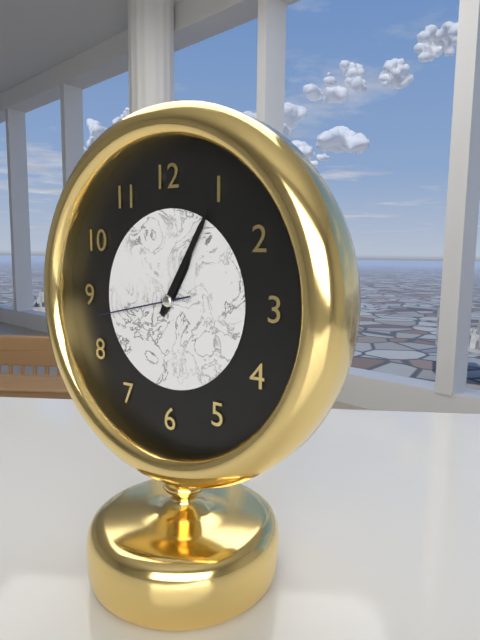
1:05:43
